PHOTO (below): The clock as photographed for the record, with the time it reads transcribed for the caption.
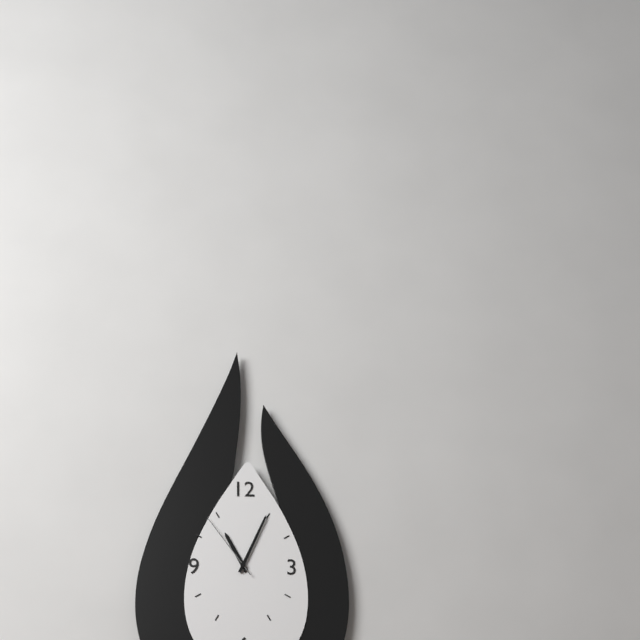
11:04:54
